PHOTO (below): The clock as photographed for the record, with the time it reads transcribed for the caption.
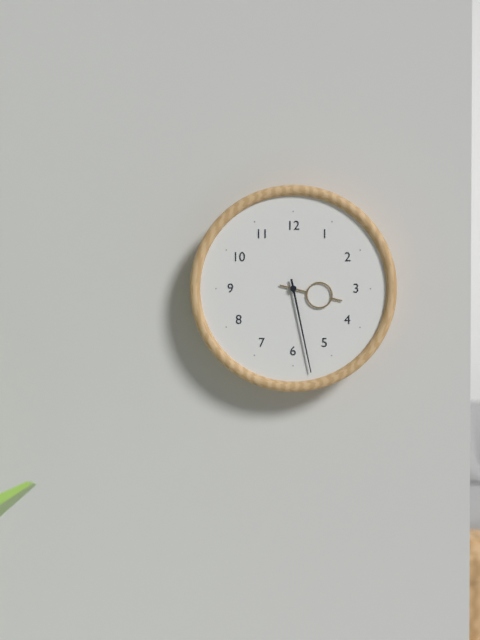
3:28
